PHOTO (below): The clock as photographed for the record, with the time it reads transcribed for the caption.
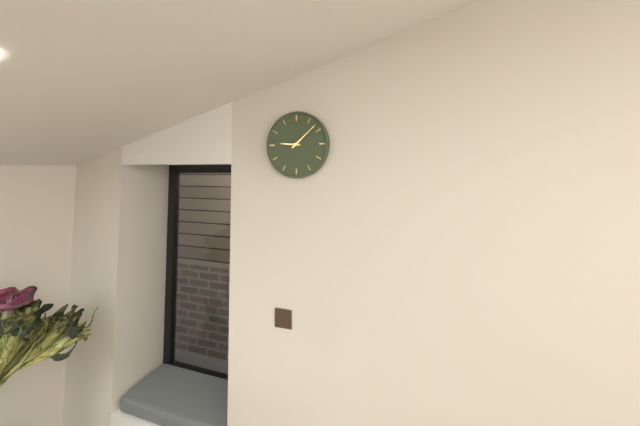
9:08
